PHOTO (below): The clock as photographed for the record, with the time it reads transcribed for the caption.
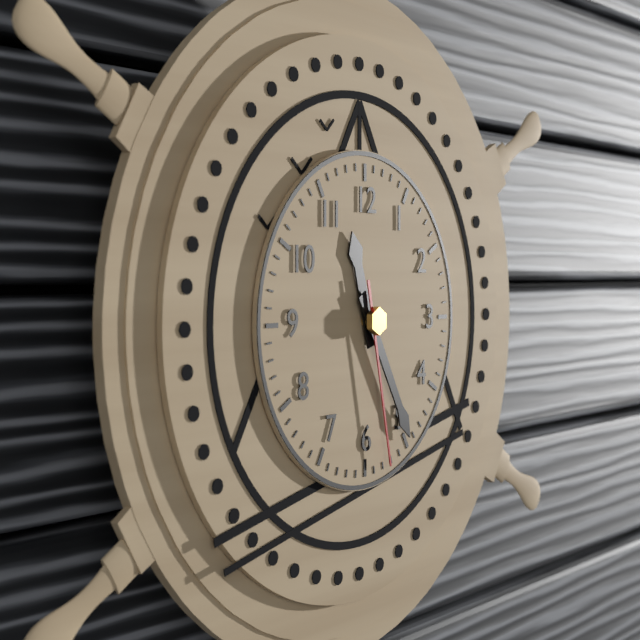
11:25:28
